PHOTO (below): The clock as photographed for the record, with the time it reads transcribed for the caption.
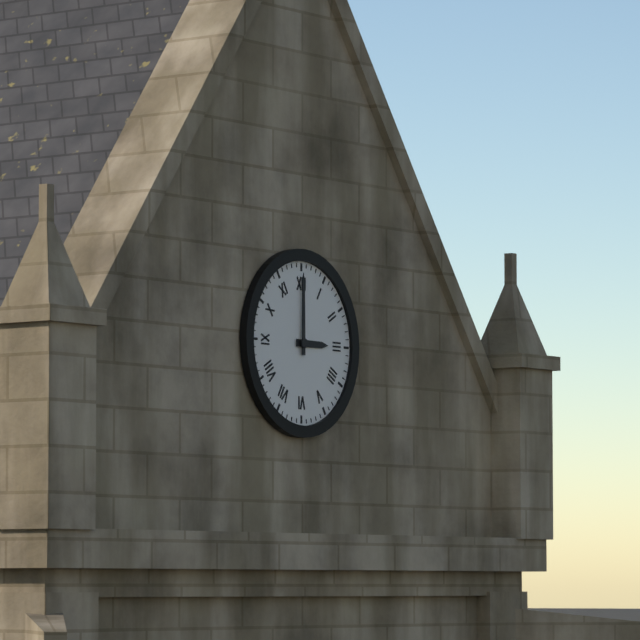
3:00
